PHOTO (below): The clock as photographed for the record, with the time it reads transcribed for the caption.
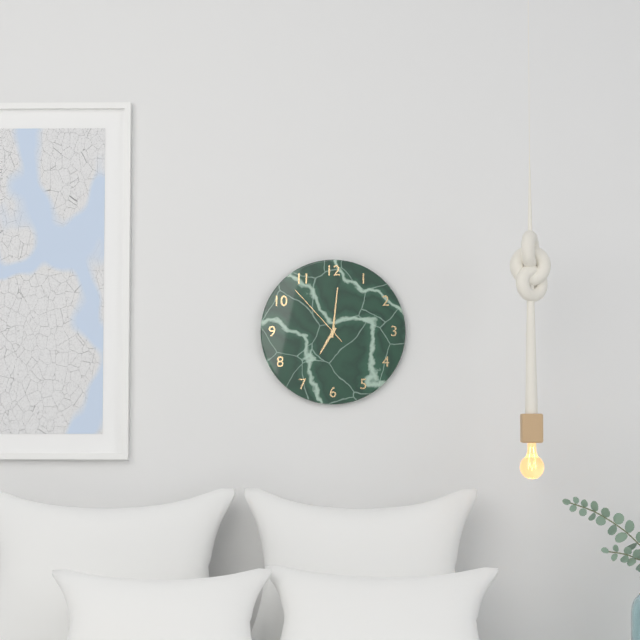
7:01:53
